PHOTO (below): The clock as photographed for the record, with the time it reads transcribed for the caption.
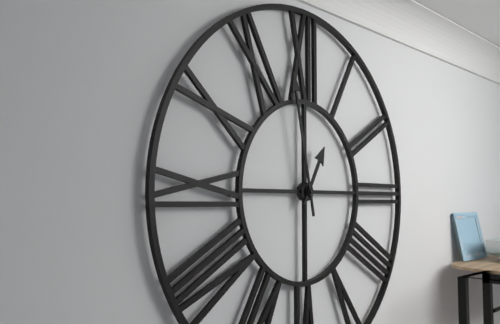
12:58
